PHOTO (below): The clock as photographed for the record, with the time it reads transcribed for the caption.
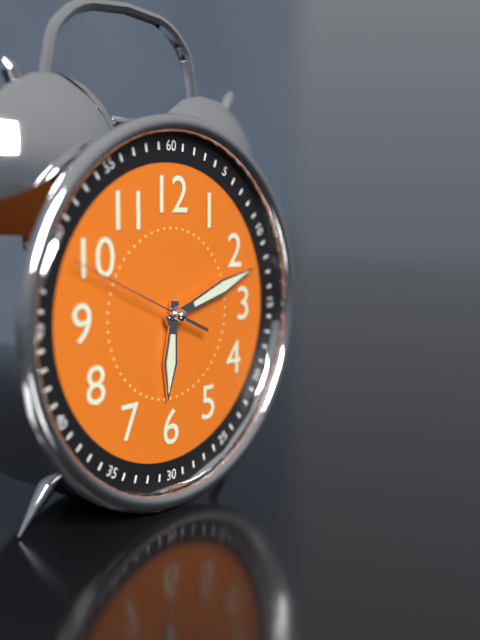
6:12:49
